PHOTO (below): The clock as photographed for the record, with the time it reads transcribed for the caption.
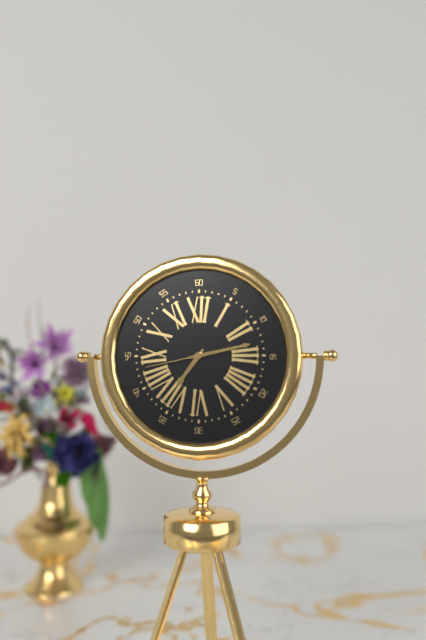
7:13:43
